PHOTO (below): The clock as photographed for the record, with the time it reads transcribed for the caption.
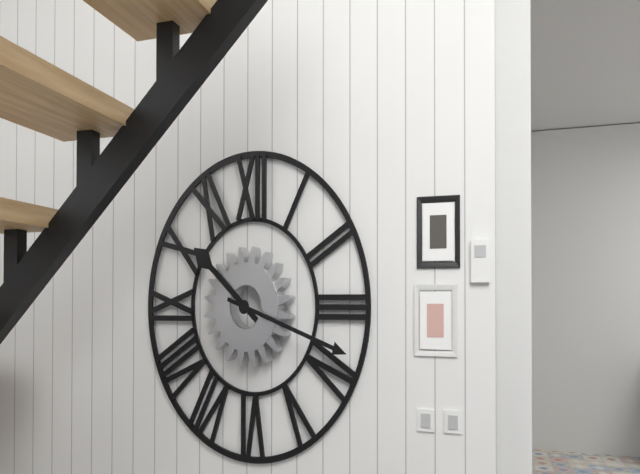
10:18
